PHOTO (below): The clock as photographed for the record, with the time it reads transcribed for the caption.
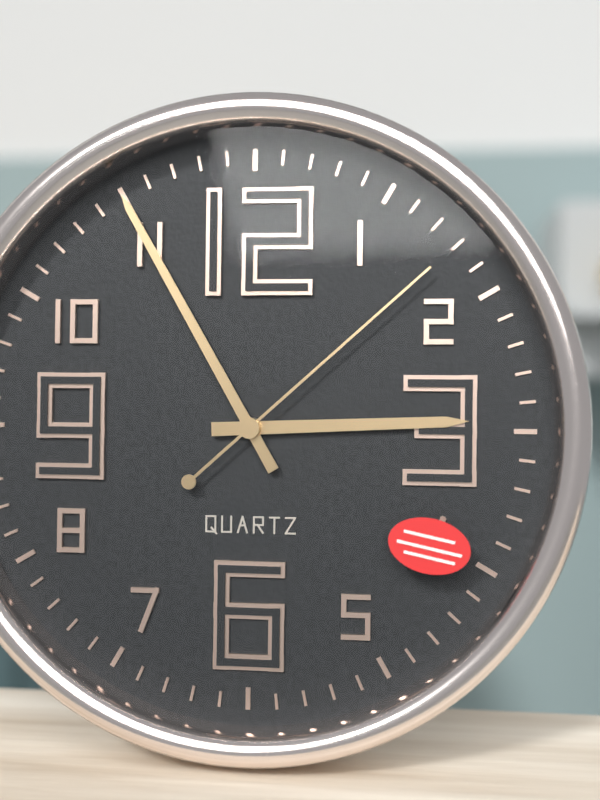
2:55:08
